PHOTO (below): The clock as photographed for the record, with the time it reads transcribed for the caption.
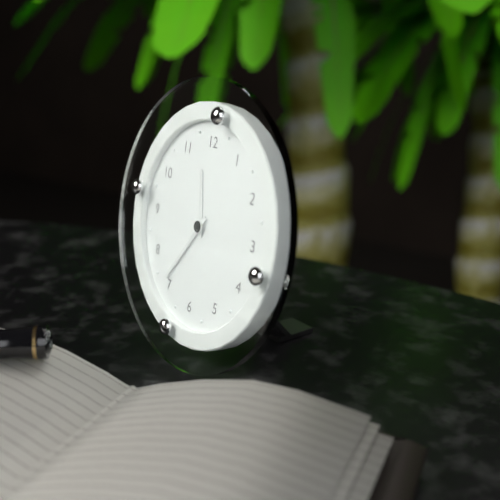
11:36
